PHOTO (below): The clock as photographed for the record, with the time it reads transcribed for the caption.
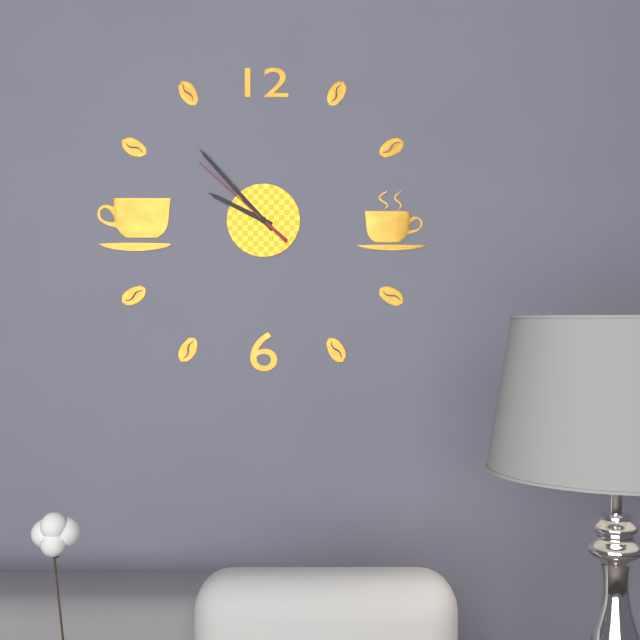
9:53:52
